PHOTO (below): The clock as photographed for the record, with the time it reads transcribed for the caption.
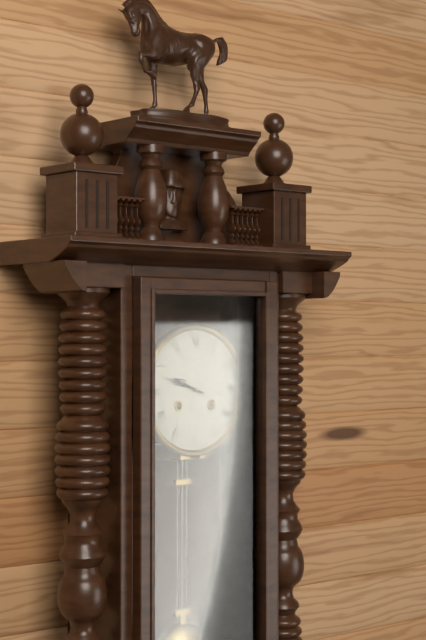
9:48
